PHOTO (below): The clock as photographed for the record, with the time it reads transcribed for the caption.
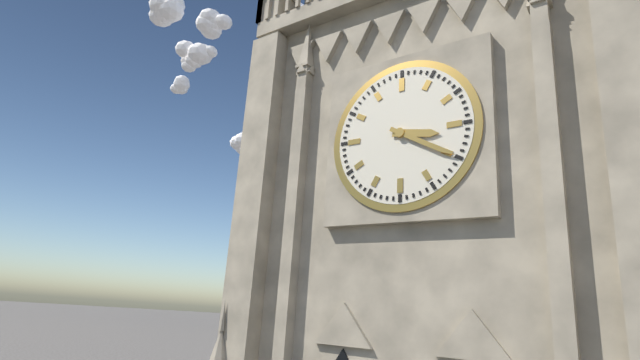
3:20
